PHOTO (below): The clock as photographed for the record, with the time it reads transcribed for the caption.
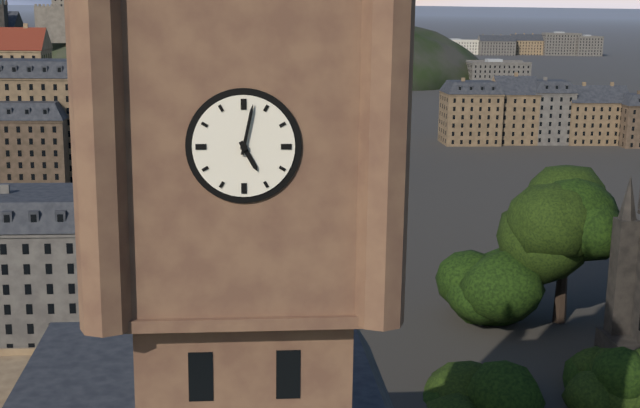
5:02
